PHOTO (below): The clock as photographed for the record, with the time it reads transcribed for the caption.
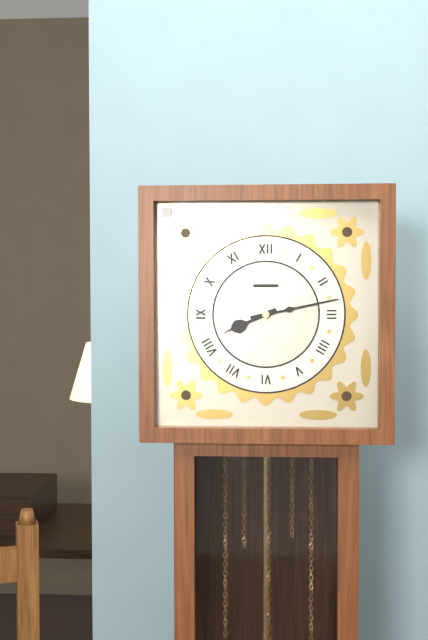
8:13
